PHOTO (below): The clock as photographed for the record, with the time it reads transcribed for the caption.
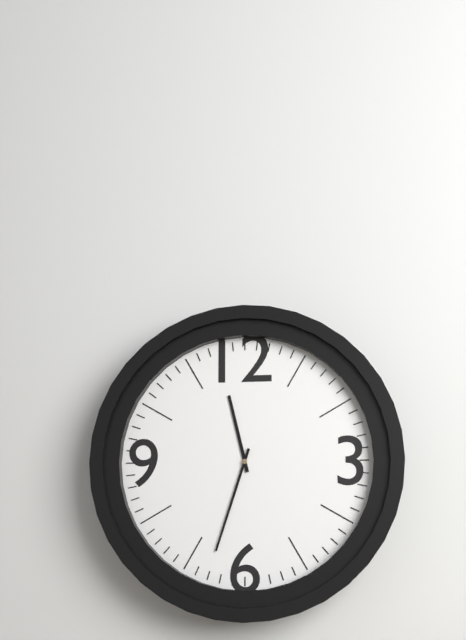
11:33
